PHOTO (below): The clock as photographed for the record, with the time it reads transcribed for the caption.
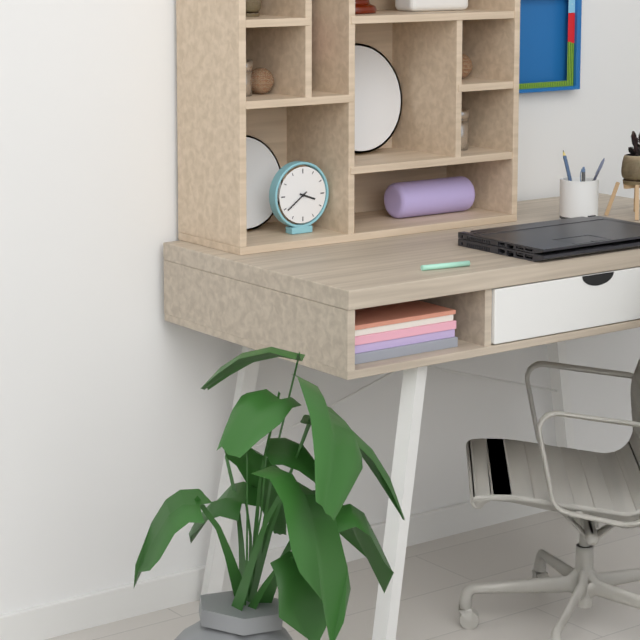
3:39
